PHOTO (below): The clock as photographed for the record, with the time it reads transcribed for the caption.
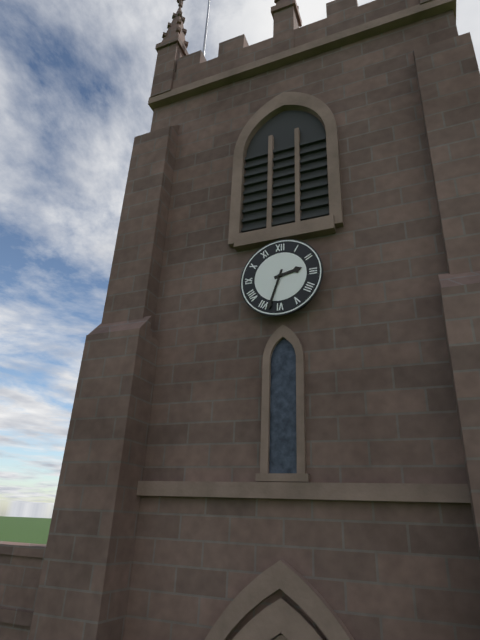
2:33
